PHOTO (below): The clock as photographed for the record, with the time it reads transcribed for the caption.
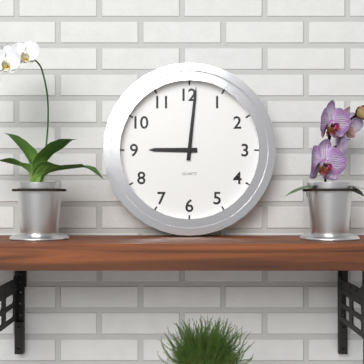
9:01
